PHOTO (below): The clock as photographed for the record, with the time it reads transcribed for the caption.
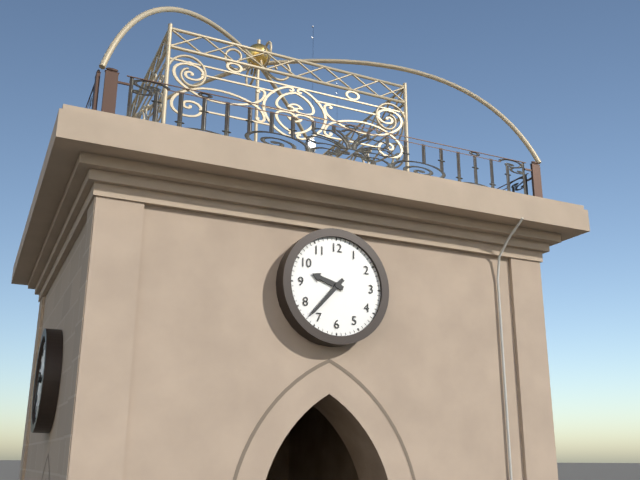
9:37
